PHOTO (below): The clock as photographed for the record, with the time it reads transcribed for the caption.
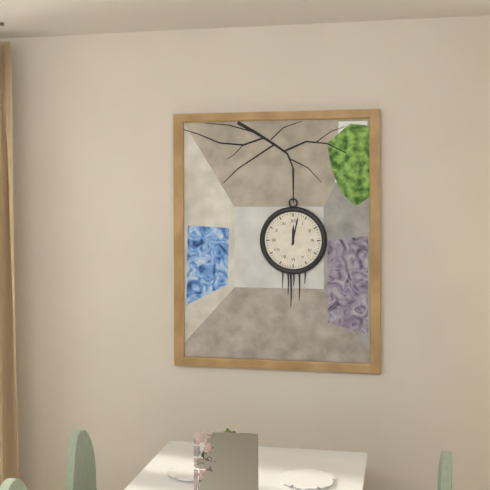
12:02
